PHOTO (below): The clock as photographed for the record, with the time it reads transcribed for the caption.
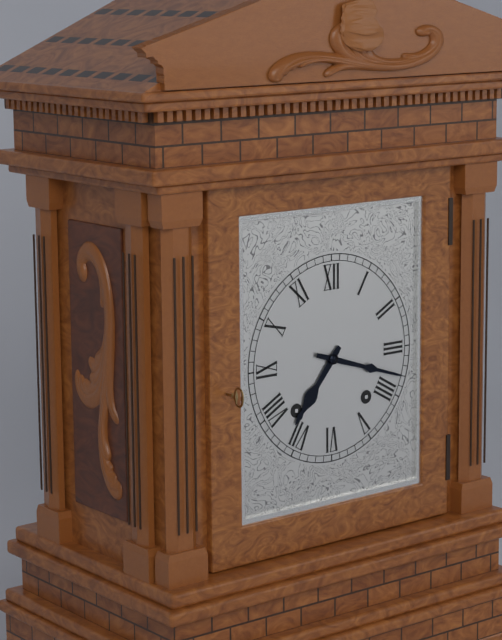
7:18
